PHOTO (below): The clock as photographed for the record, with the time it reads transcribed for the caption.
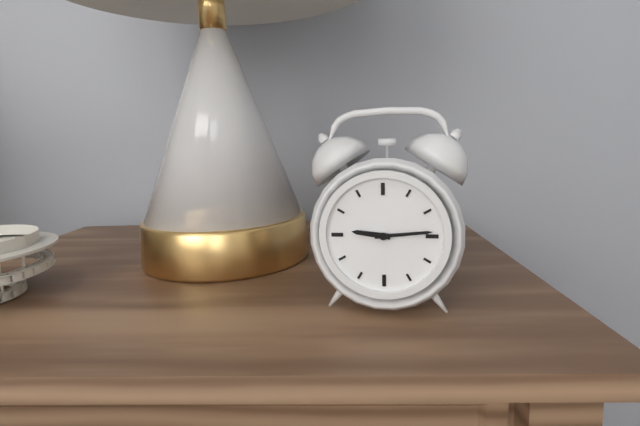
9:14
